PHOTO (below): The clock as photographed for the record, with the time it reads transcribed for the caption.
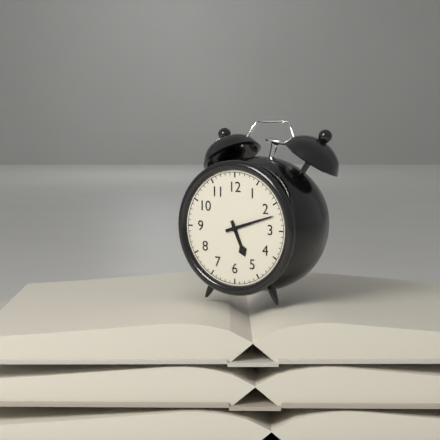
5:12
